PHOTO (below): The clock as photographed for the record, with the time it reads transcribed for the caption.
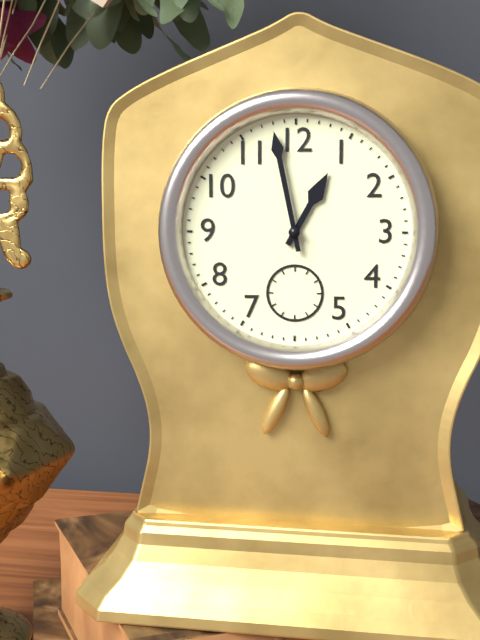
12:58
